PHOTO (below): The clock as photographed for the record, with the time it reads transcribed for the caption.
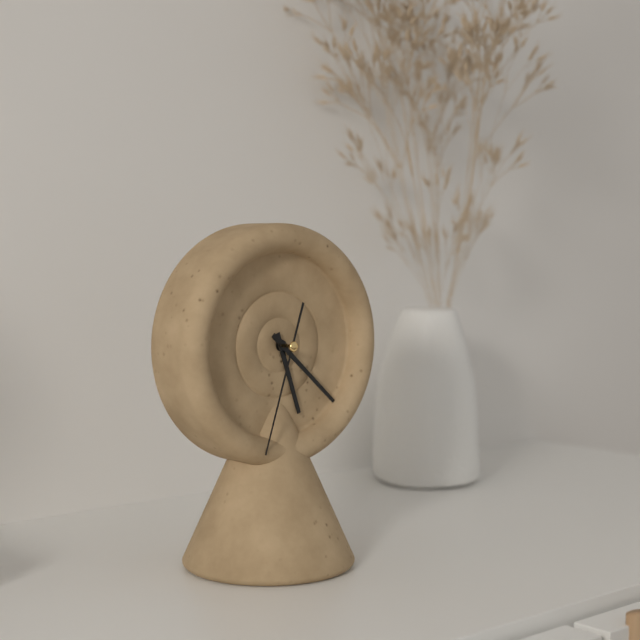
5:22:33
